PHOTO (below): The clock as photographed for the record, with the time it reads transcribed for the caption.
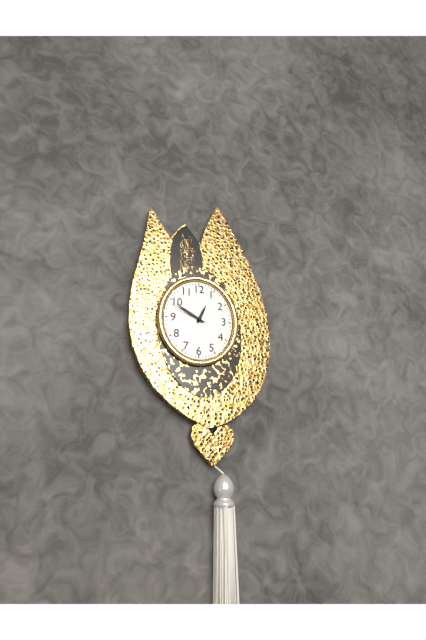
12:50
